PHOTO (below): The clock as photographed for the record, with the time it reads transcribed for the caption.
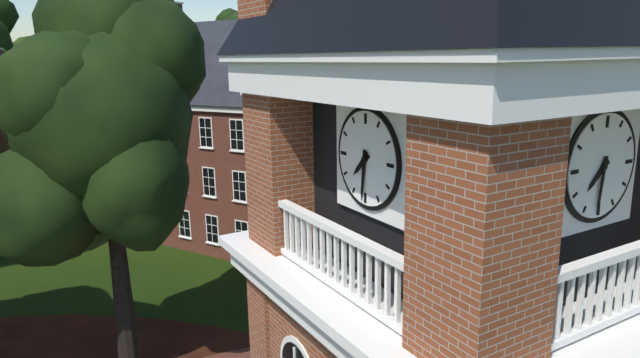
7:31
